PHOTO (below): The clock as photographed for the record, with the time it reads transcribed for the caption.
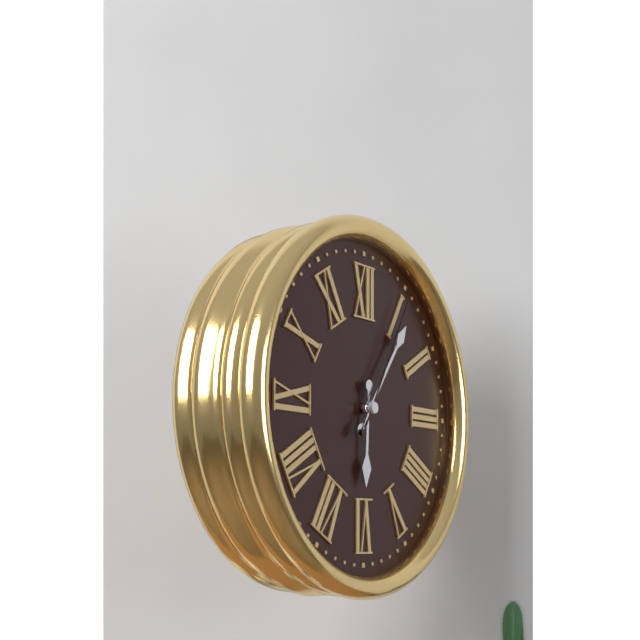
6:06:05
